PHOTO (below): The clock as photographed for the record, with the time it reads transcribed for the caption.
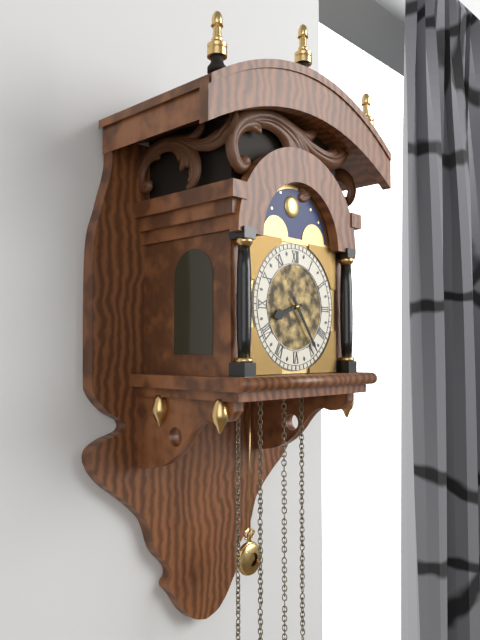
8:24
